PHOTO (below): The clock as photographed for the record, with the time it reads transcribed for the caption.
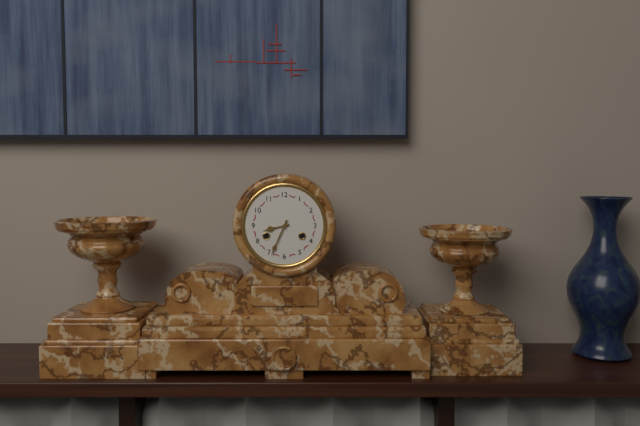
8:34
